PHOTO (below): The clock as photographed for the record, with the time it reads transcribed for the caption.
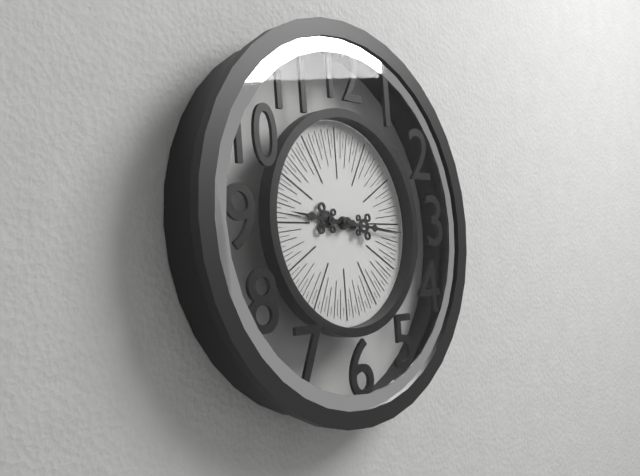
9:16
